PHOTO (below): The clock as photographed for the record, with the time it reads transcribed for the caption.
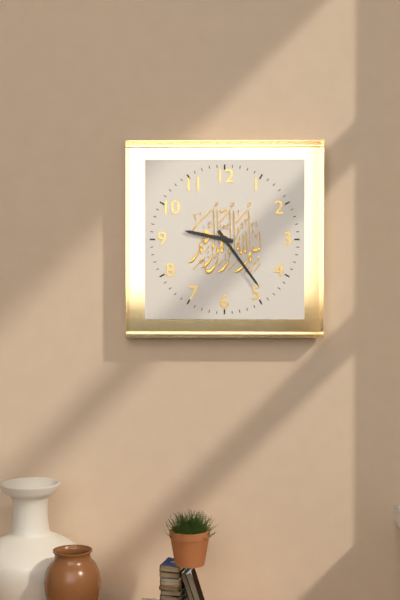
9:24
